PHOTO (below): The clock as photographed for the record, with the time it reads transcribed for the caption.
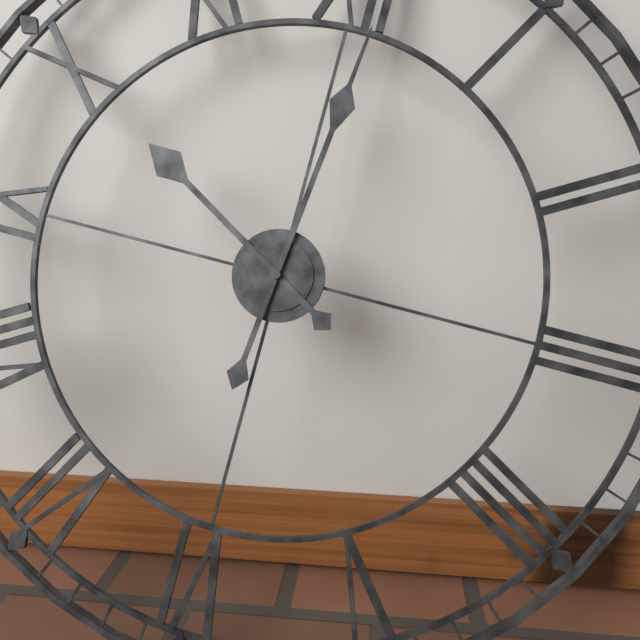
10:01
